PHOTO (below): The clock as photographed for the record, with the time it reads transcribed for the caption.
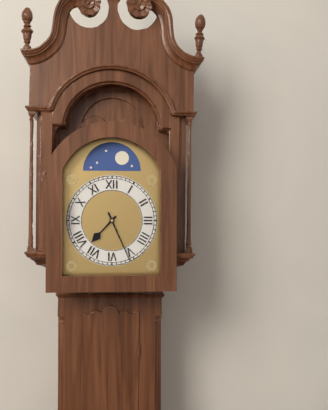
7:26
